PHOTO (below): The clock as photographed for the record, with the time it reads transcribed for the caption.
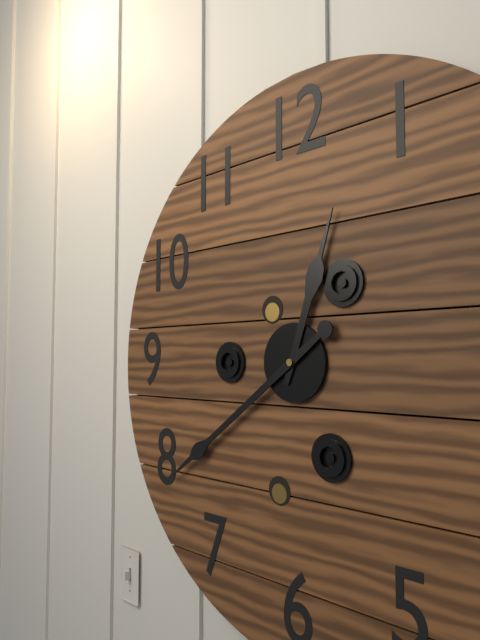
12:39
